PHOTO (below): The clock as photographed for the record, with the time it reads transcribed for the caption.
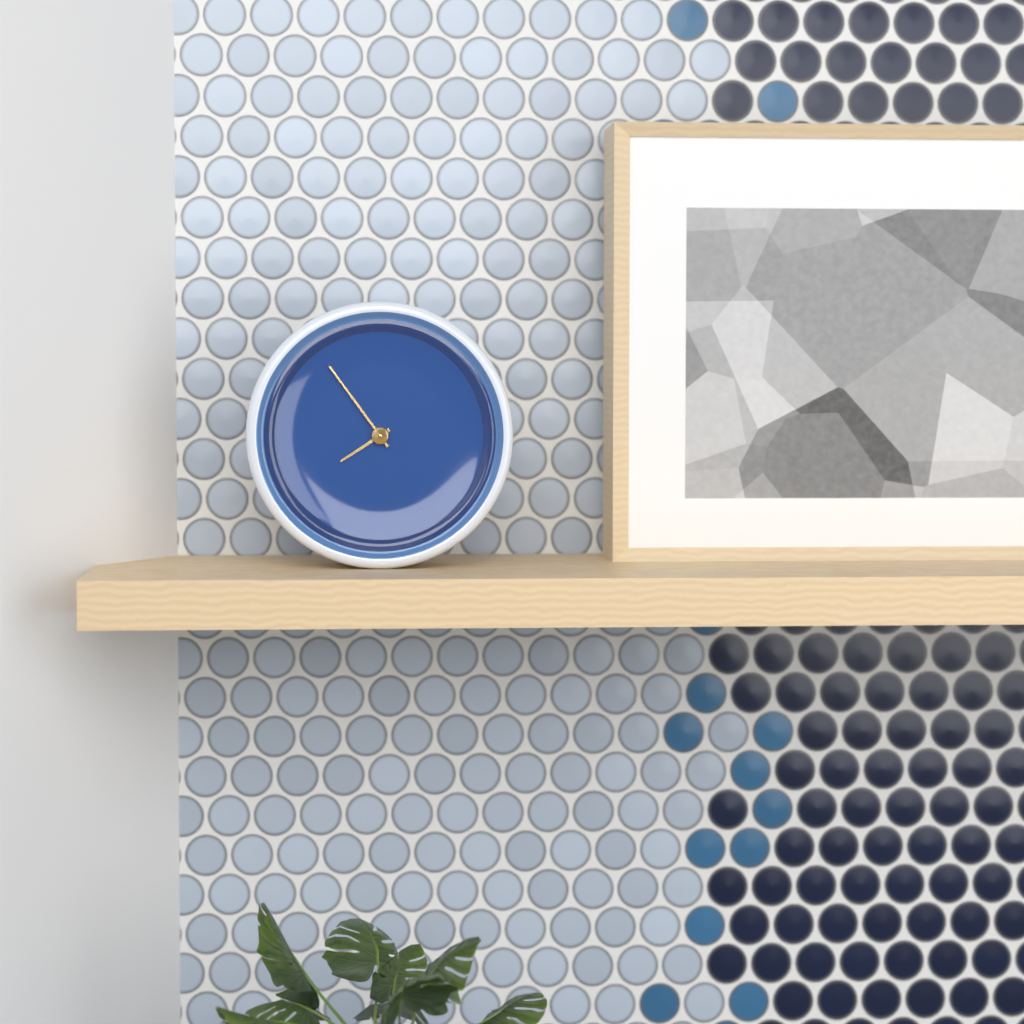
7:54
